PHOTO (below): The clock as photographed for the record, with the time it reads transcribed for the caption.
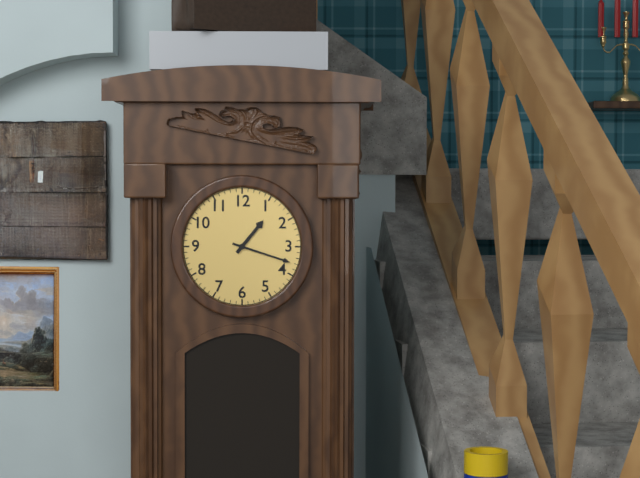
1:18
